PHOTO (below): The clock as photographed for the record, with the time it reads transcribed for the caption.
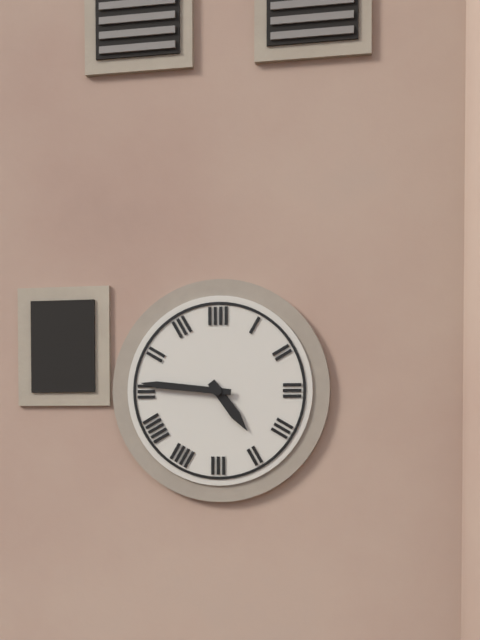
4:46
